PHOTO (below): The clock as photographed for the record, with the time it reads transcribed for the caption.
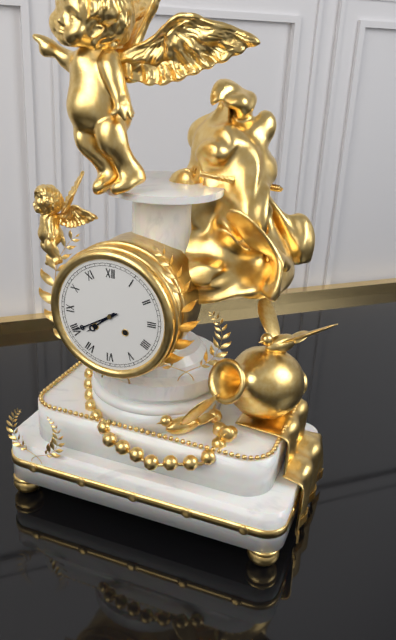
7:40
